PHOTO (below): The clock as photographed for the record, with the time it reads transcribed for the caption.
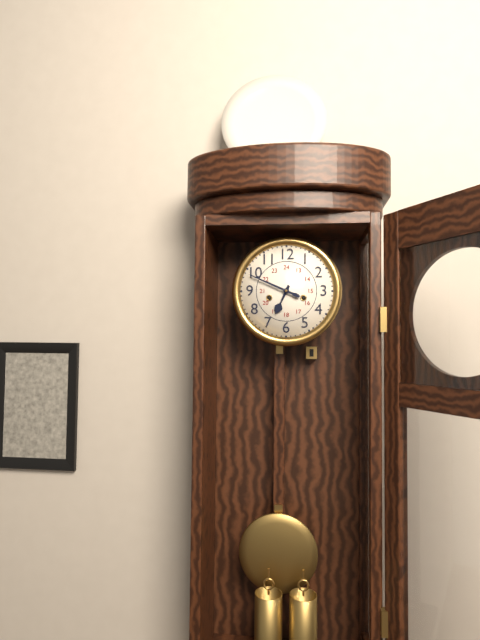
6:49
